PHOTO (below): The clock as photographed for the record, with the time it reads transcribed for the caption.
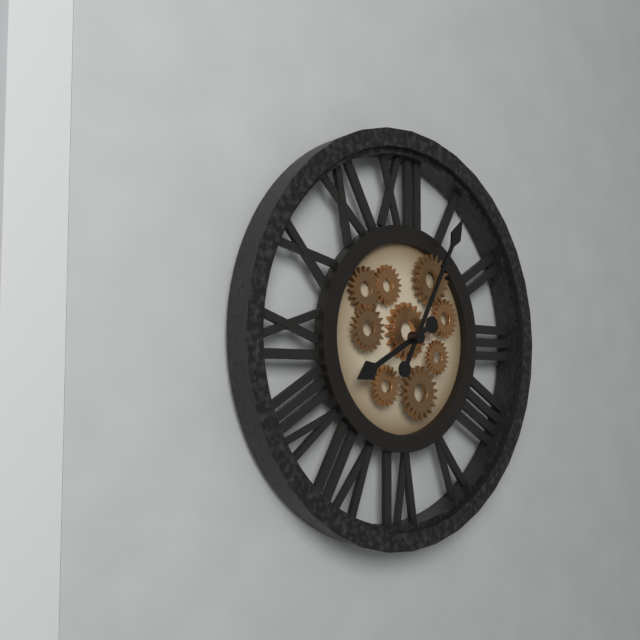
8:05
